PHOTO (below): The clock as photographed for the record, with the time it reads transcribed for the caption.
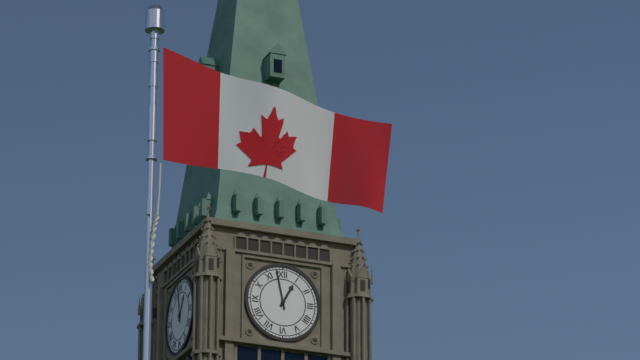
12:58
